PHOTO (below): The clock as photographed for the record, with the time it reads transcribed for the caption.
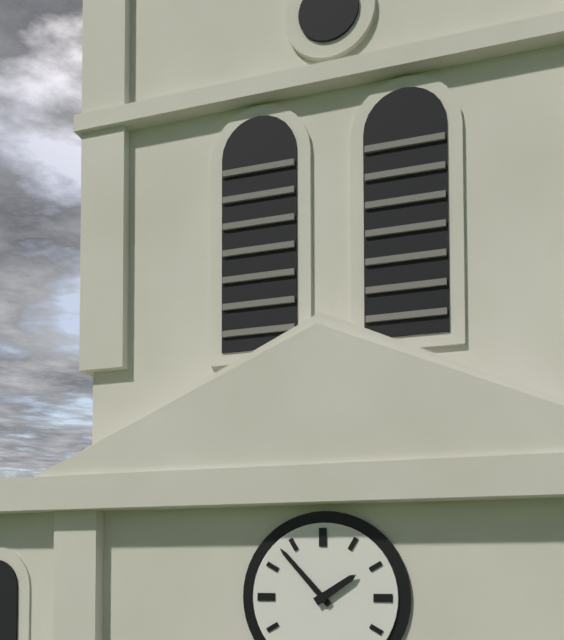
1:53
